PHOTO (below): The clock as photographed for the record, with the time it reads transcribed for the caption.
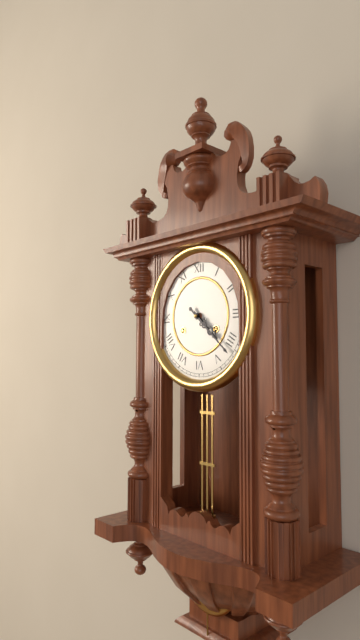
4:22
